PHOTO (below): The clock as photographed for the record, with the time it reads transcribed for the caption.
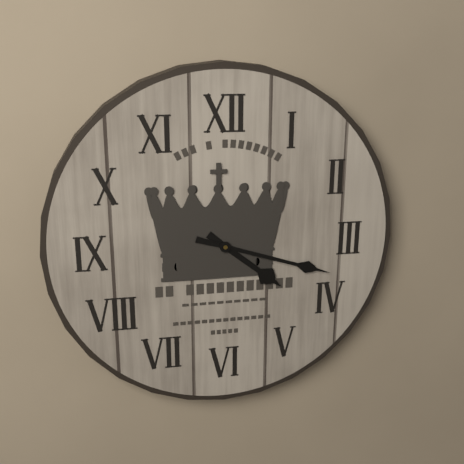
4:18
